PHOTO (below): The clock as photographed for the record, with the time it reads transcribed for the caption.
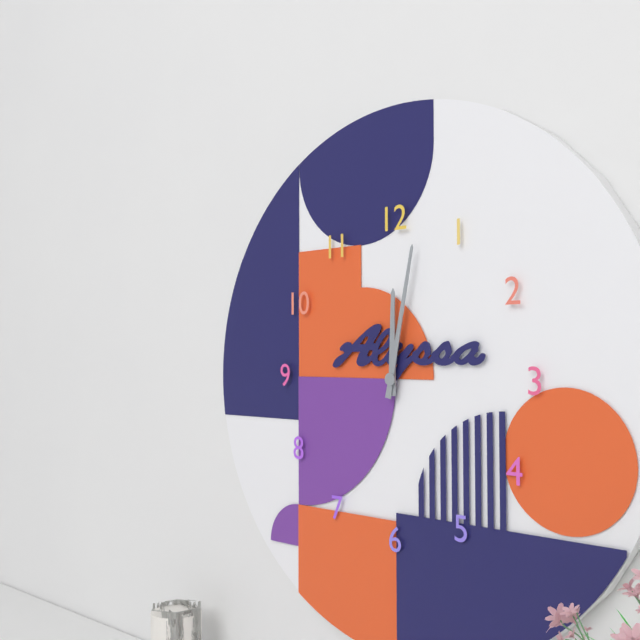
12:02
